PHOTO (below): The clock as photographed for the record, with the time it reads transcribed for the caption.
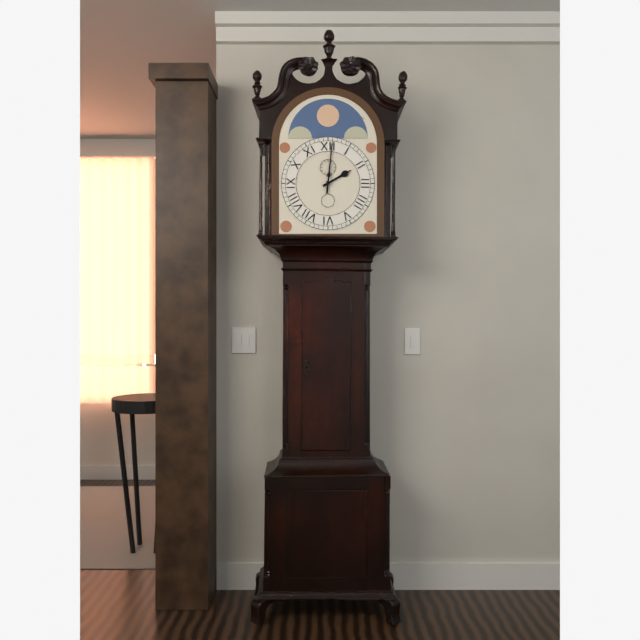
2:01
